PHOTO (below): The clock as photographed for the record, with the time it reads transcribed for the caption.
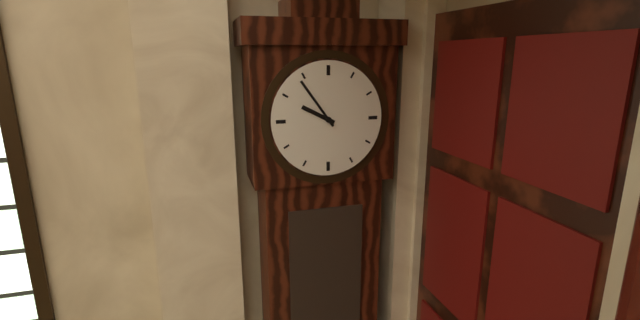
9:54
